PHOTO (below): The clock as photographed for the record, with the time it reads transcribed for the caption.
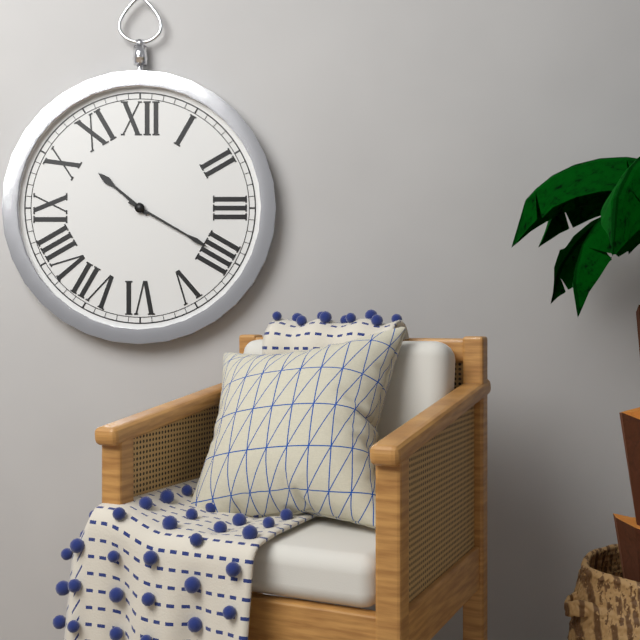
10:20
